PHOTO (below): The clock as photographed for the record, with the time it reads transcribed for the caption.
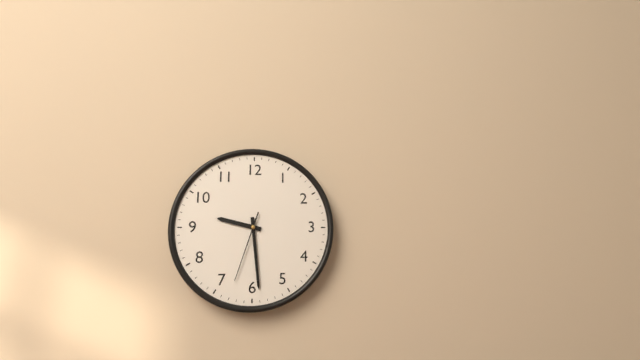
9:29:33
